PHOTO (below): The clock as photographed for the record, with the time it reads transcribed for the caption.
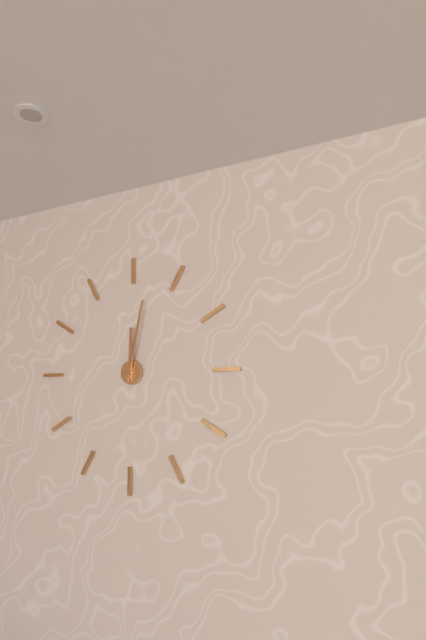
12:02
